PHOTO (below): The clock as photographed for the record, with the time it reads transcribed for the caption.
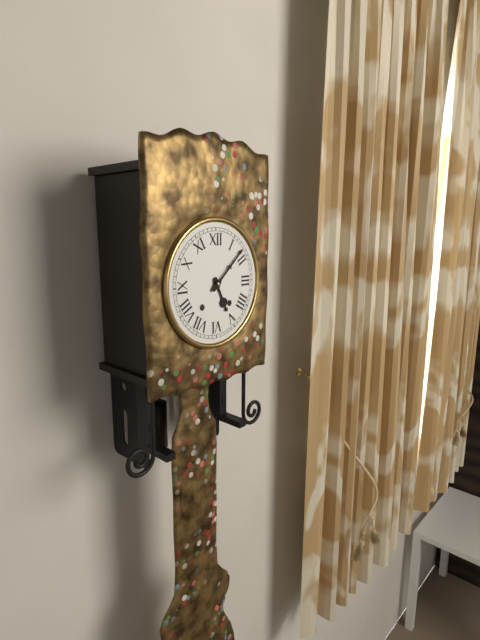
5:08
